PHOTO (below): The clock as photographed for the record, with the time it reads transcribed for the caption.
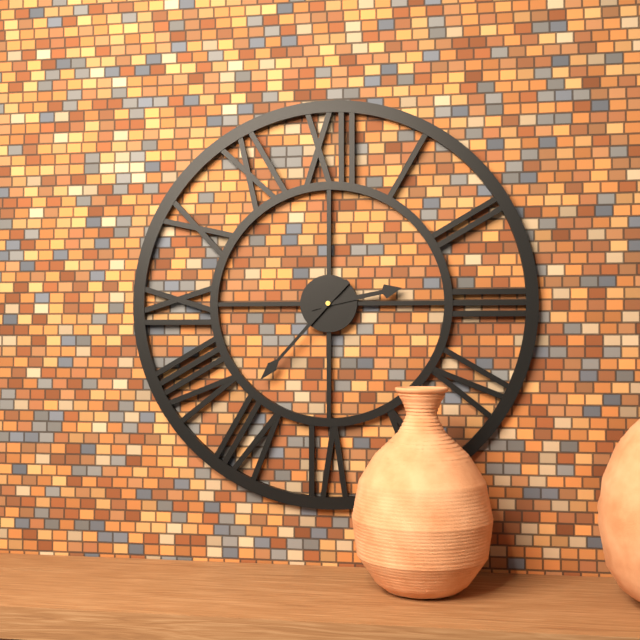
2:37
